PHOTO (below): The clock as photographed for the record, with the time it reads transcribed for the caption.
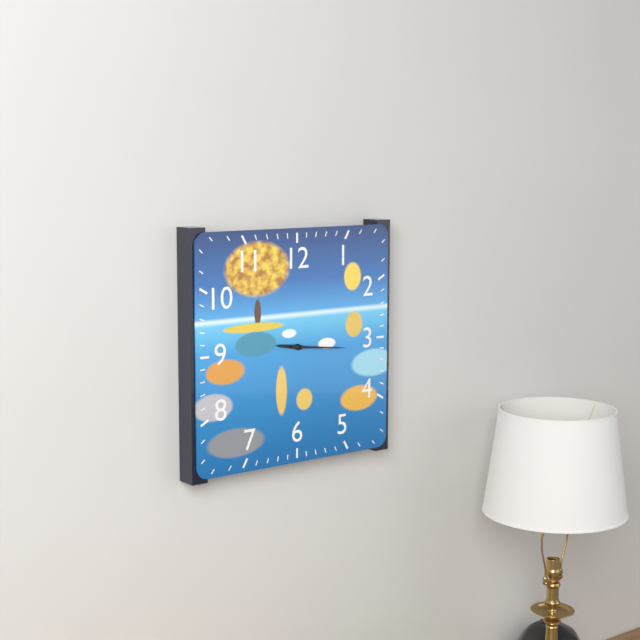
9:16
